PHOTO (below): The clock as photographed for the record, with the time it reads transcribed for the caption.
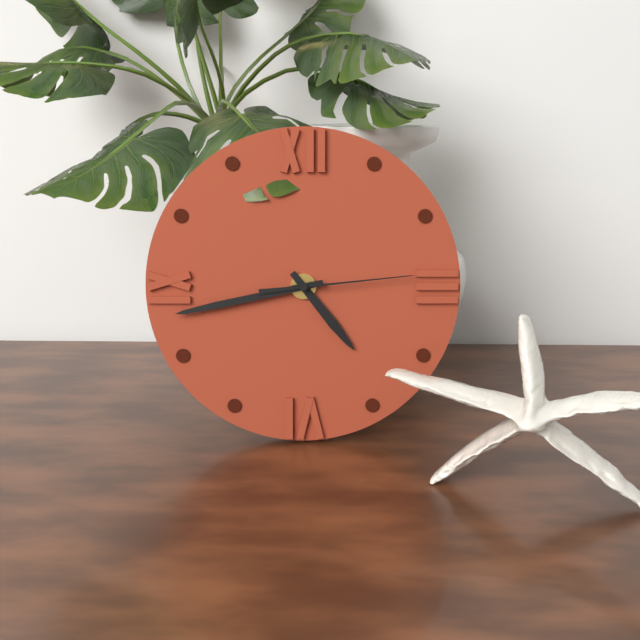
4:43:14
